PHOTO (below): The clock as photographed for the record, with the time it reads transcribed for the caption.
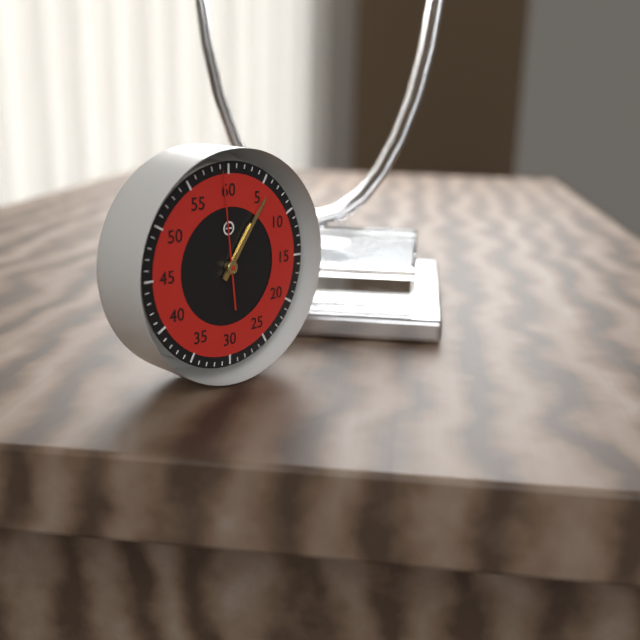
1:06:59
